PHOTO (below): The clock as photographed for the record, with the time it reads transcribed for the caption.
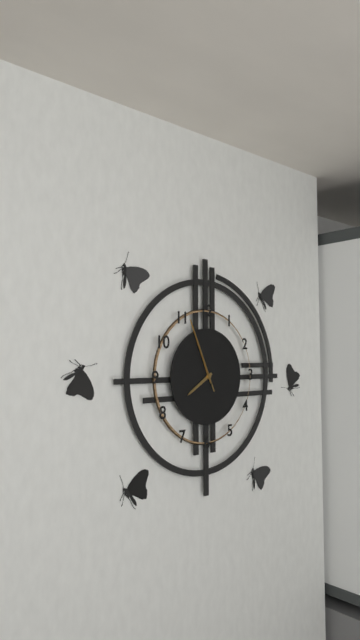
7:56:56
